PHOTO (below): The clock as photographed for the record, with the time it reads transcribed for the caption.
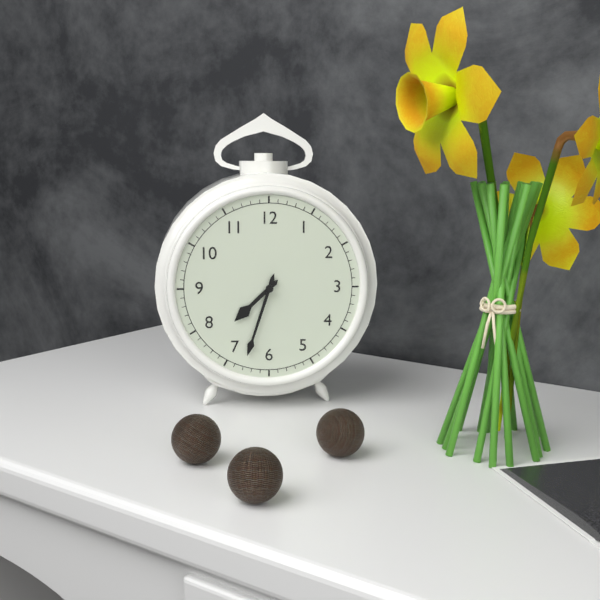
7:33
